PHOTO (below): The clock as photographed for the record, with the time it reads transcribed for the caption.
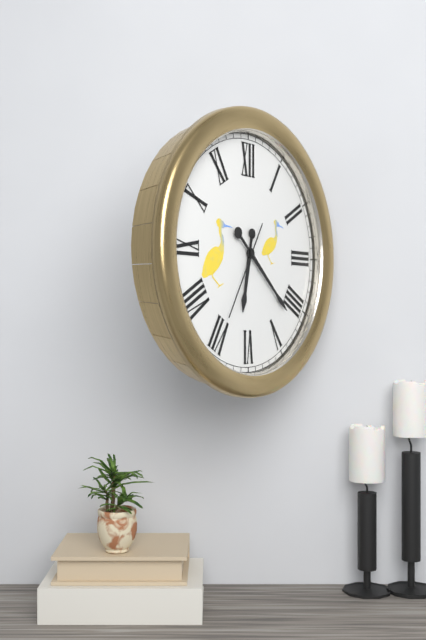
6:22:35
